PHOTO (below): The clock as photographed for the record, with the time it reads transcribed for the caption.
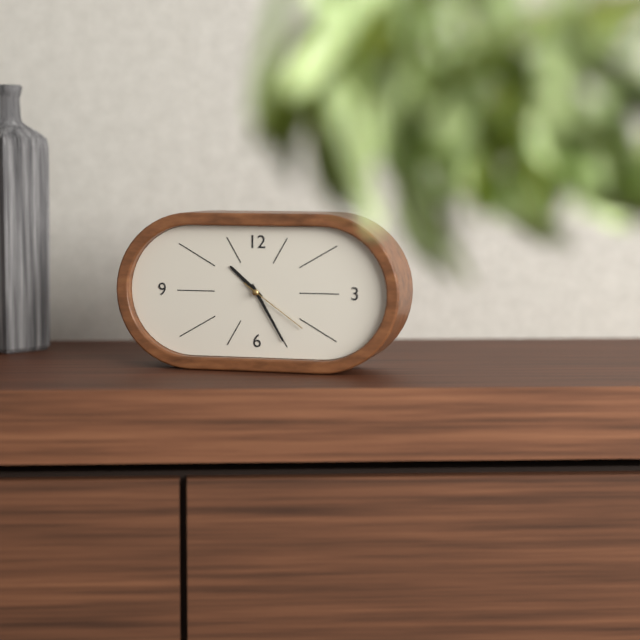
10:25:21
